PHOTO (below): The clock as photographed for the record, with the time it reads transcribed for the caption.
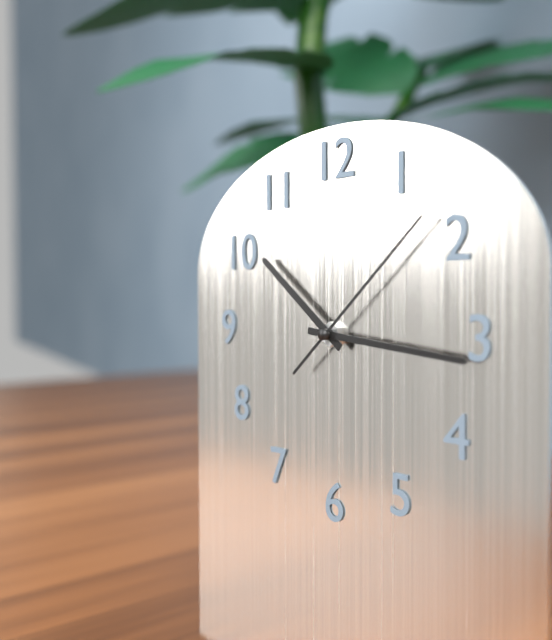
10:16:08
